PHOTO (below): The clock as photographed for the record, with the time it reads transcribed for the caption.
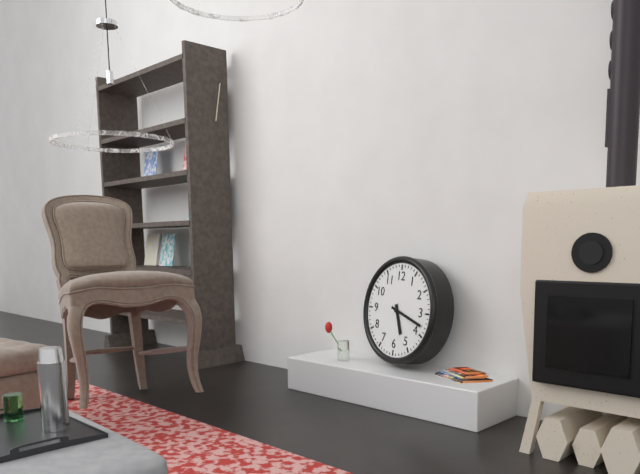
5:18
